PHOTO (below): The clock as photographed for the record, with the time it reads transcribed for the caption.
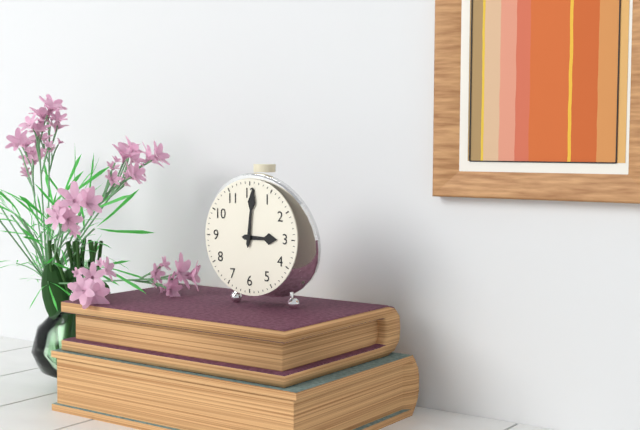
3:01
